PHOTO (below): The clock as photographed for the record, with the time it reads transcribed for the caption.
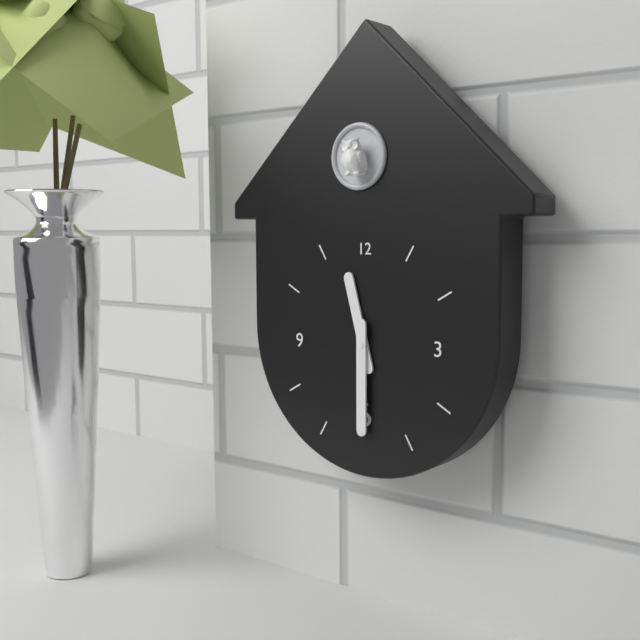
11:30
